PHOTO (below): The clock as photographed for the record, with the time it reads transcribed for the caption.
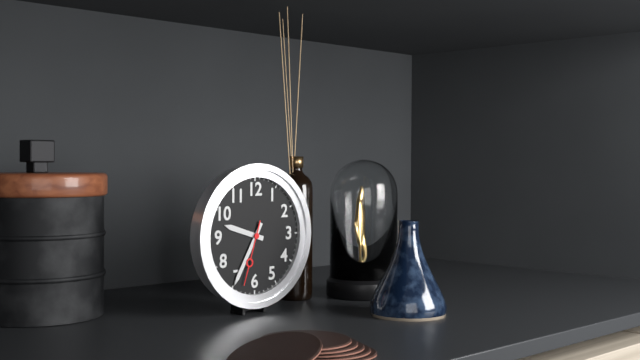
9:35:33
